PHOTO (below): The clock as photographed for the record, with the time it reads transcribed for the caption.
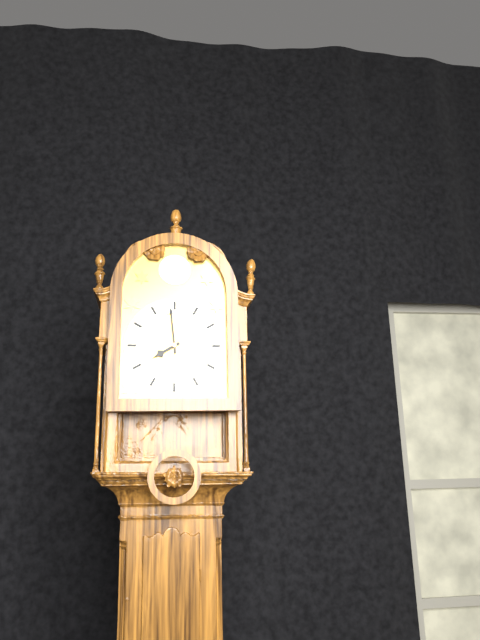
7:59
